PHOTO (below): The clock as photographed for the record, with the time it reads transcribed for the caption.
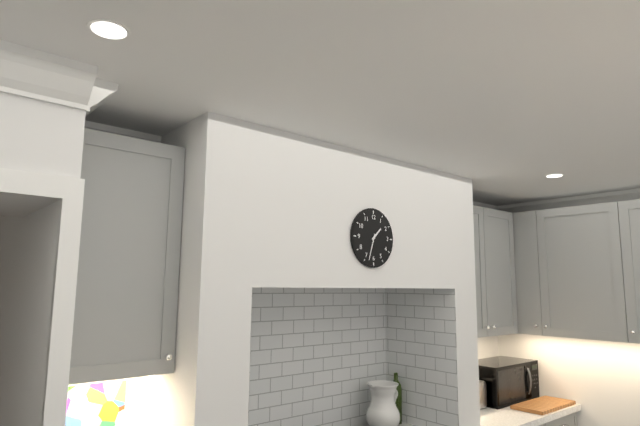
1:33
